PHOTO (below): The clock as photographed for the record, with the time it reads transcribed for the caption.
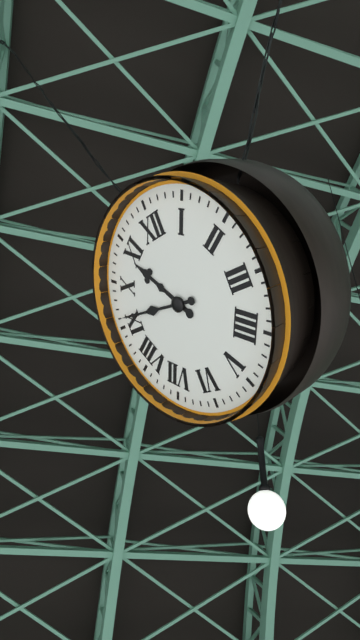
10:46
